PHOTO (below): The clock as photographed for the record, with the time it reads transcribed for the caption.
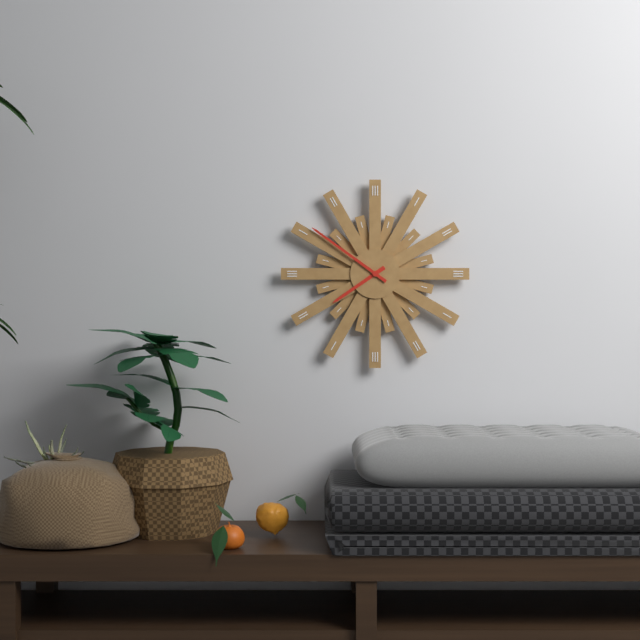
7:51
